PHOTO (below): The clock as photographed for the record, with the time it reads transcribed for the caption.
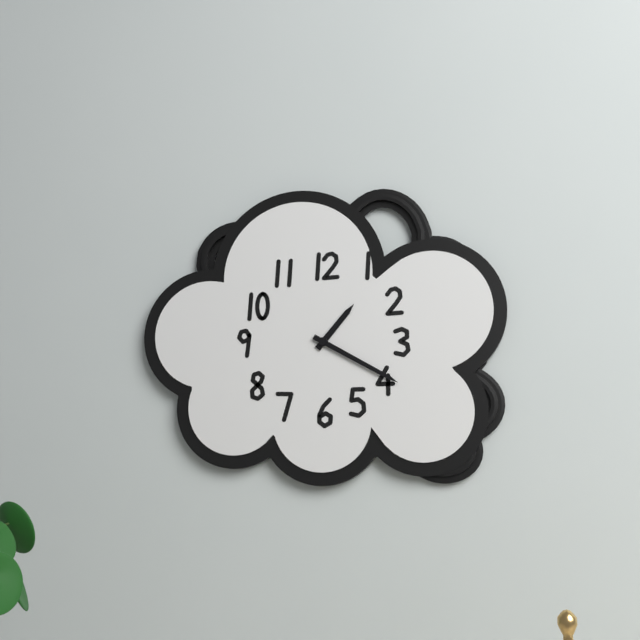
1:20
